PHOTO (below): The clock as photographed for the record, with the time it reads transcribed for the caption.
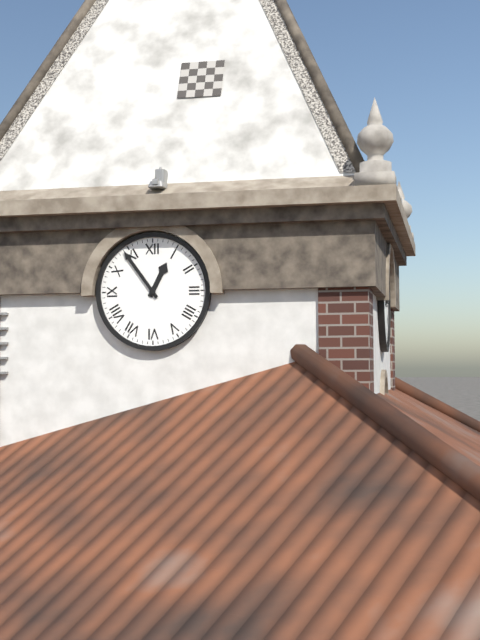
12:54
